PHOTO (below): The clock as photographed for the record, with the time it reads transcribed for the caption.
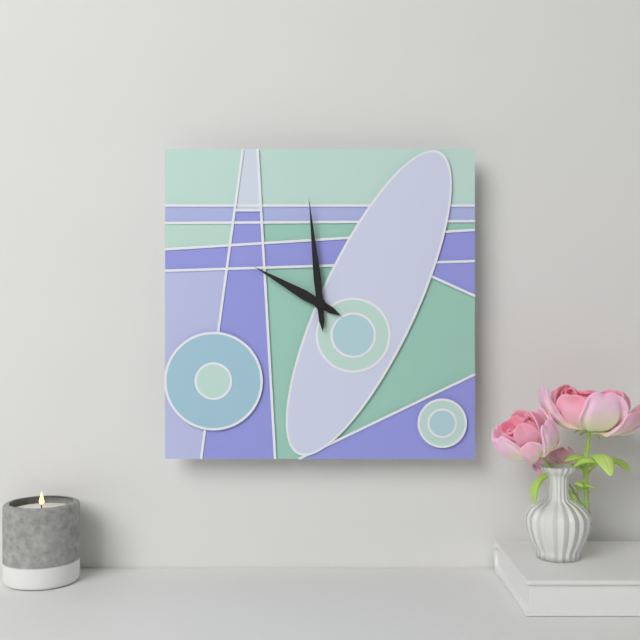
9:59
